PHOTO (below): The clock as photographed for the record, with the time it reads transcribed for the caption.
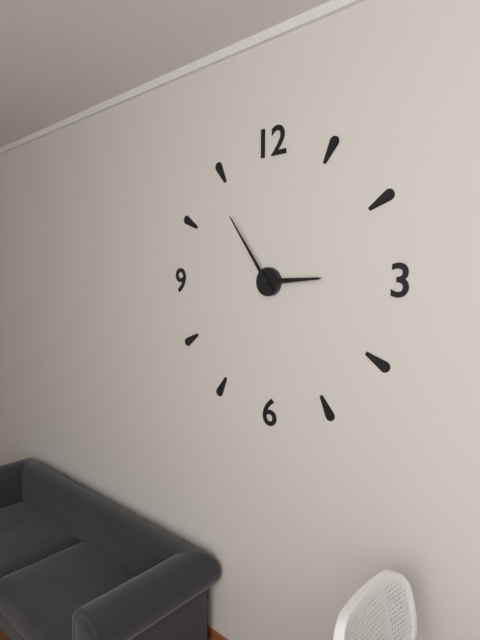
2:54
